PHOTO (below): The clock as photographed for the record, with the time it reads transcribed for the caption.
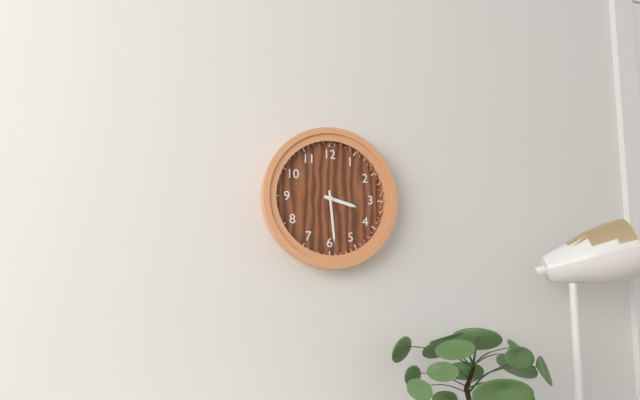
3:29
